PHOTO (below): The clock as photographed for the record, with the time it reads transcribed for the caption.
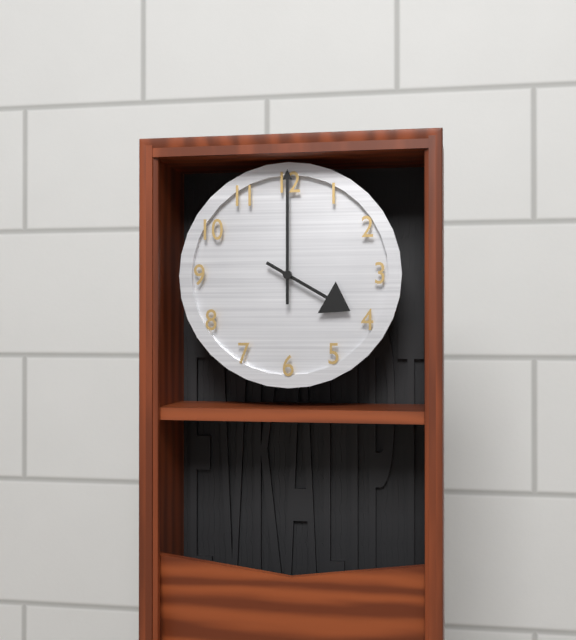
4:00
